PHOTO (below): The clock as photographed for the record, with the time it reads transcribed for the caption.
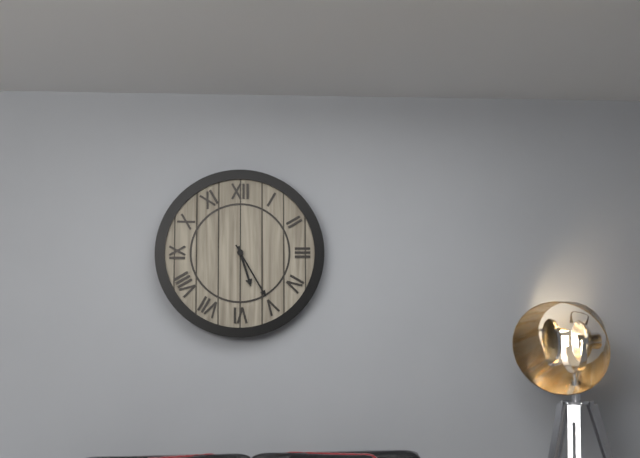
5:25
